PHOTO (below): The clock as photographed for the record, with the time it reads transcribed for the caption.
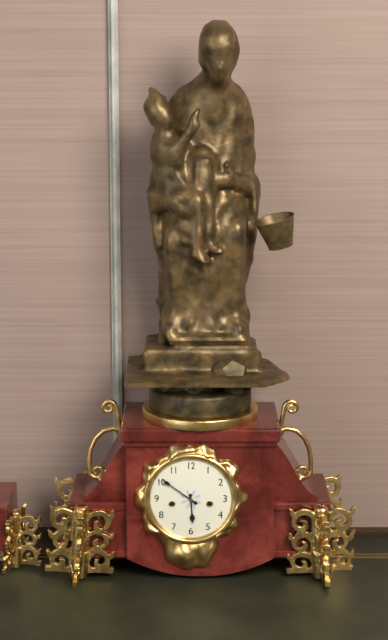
5:51
